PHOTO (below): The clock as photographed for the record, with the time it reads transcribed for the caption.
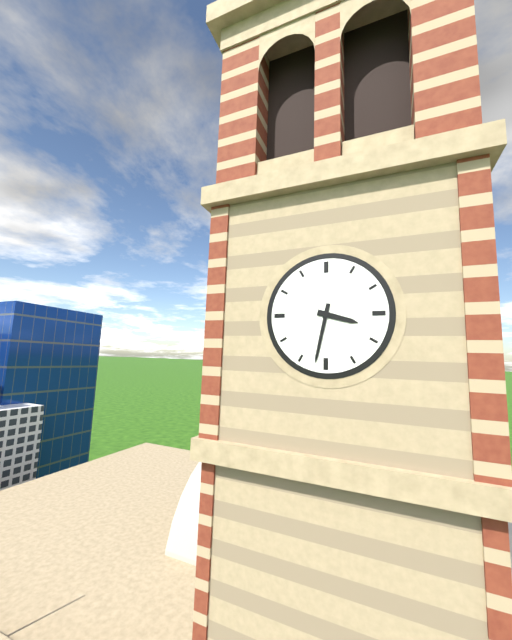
3:32
